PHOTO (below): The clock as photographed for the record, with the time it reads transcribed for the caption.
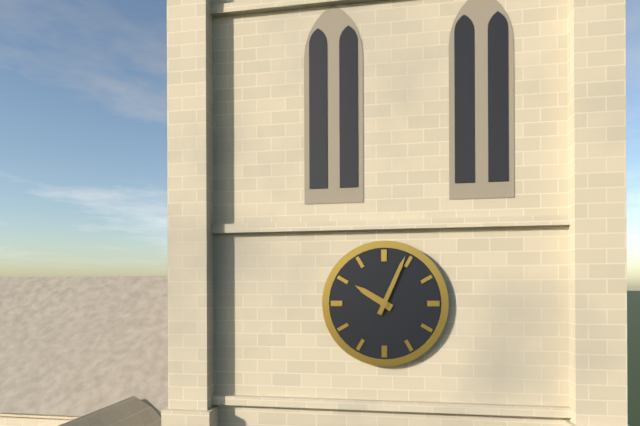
10:04
